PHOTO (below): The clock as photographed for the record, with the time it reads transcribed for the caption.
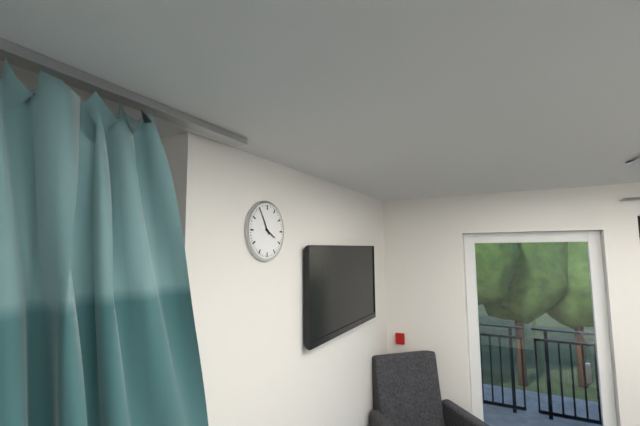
3:55
